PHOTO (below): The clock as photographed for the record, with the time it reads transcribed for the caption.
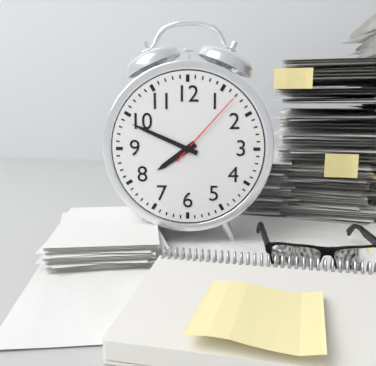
7:49:07
